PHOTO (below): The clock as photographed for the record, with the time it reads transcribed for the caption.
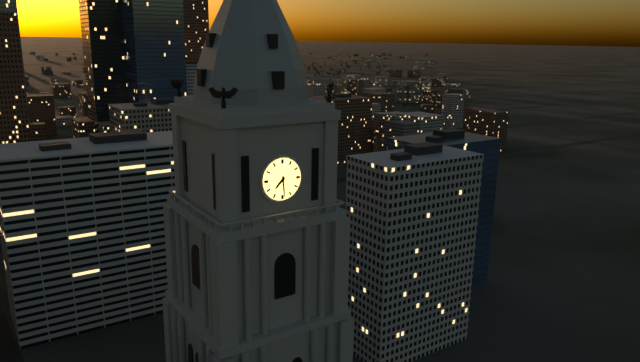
7:29
